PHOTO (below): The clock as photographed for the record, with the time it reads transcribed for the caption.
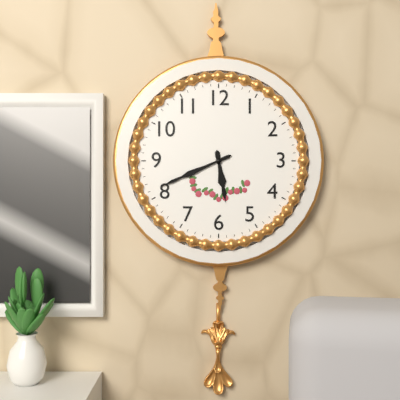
5:41
